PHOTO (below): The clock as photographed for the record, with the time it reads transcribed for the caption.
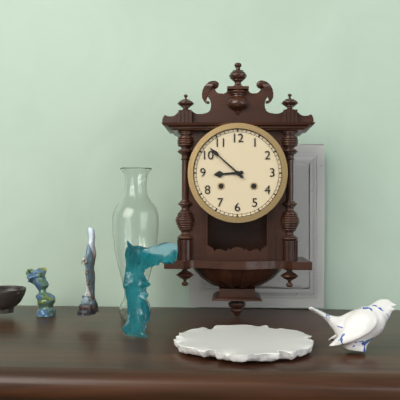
8:52
